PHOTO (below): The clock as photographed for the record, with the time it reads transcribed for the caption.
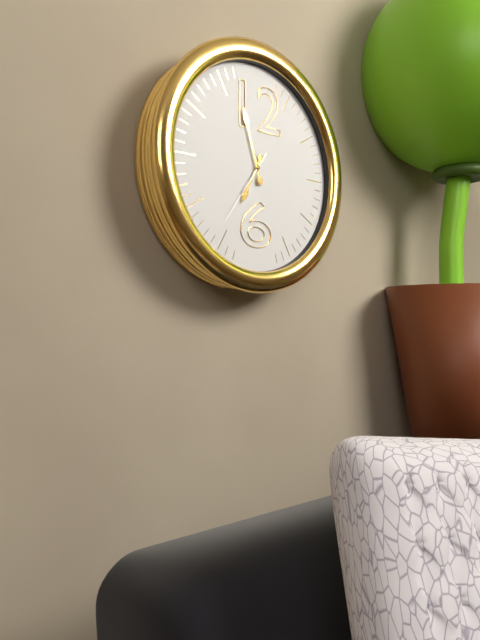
6:57:36
